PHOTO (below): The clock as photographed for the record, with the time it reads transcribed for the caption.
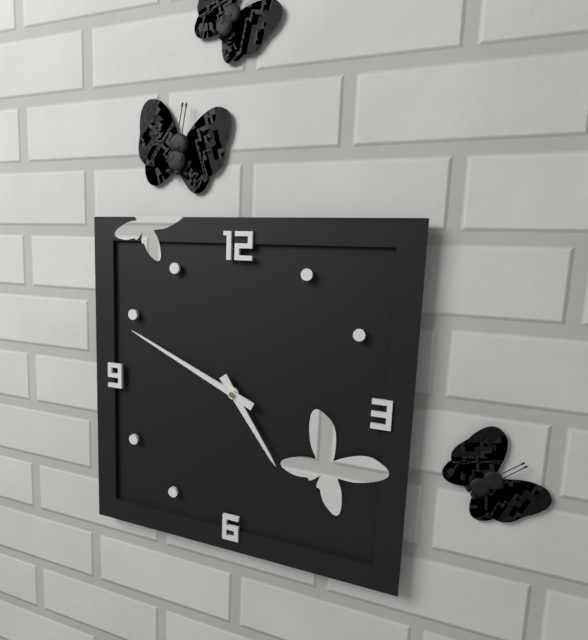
4:49
